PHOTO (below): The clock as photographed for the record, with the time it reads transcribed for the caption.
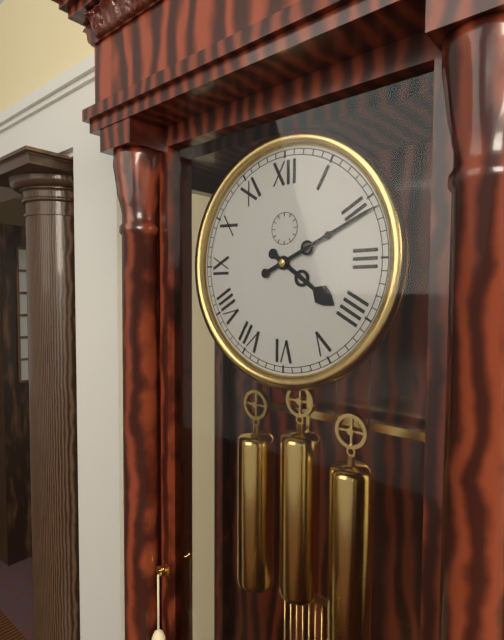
4:11
